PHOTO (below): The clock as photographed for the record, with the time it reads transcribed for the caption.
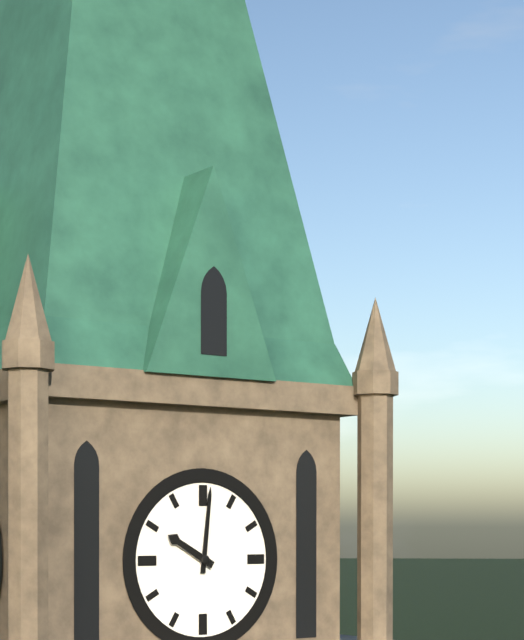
10:01
